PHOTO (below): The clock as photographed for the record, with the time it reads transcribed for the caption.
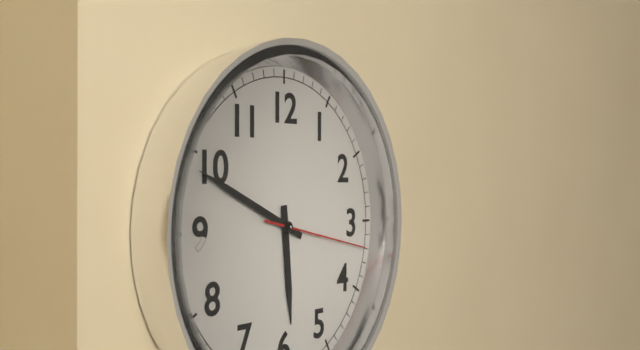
5:49:17
